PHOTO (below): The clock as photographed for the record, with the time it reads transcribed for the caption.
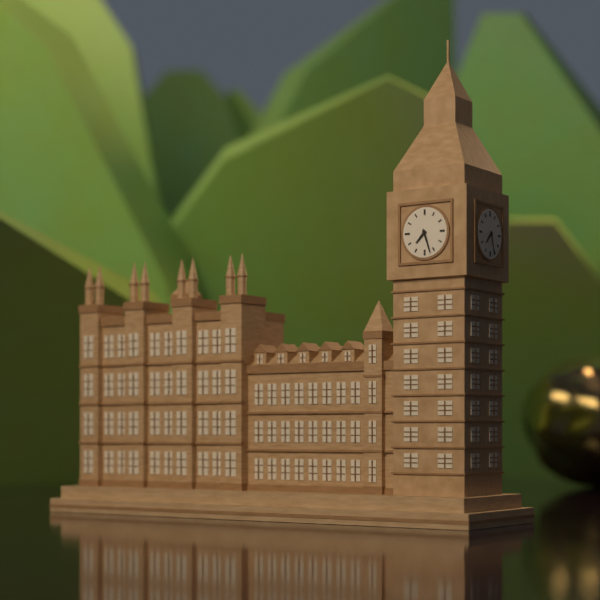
7:27
